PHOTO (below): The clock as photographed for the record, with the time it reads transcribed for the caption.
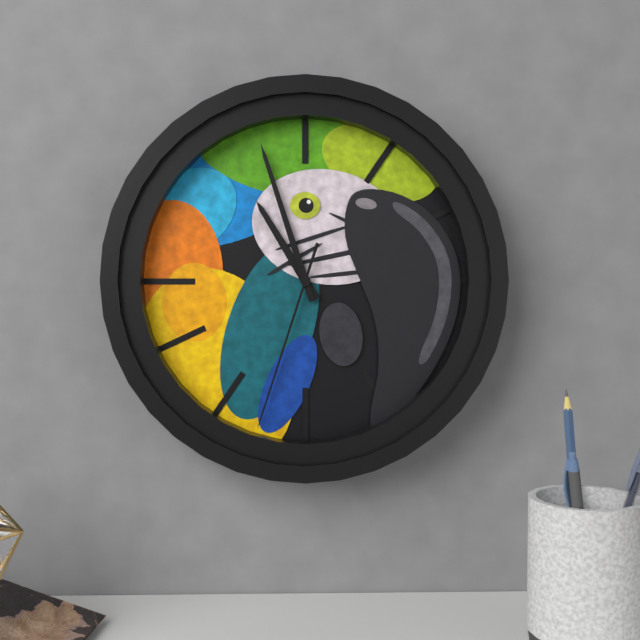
10:57:33
